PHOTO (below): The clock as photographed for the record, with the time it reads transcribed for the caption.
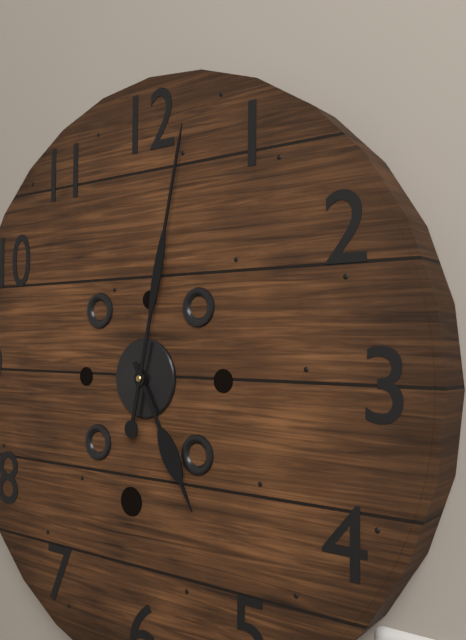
5:02
